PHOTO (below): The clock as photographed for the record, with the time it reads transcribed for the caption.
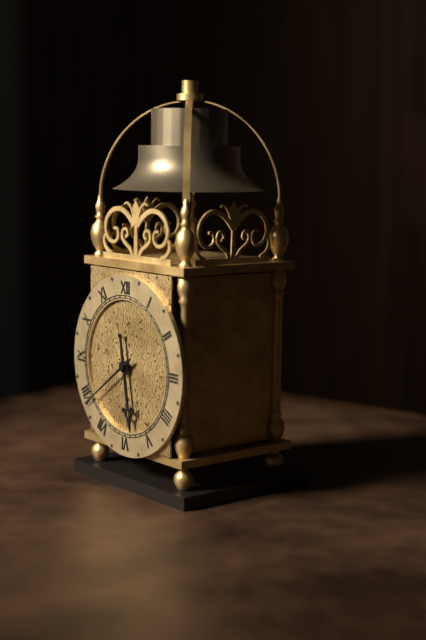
5:39
